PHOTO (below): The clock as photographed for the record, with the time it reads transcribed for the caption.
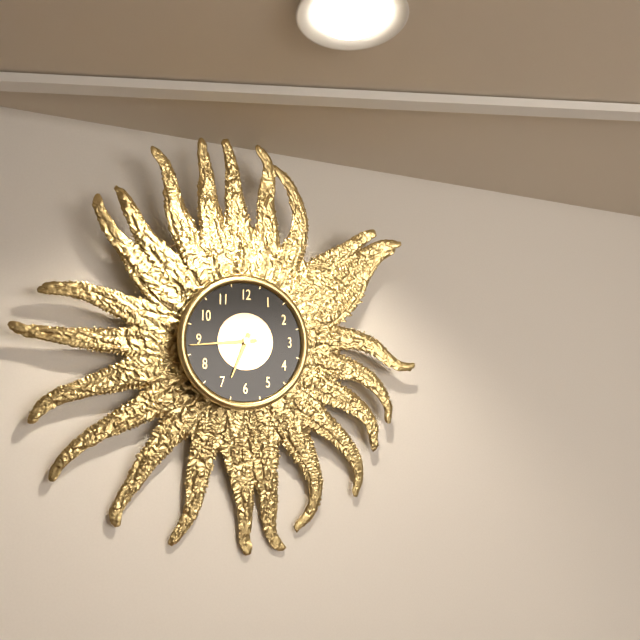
6:44
